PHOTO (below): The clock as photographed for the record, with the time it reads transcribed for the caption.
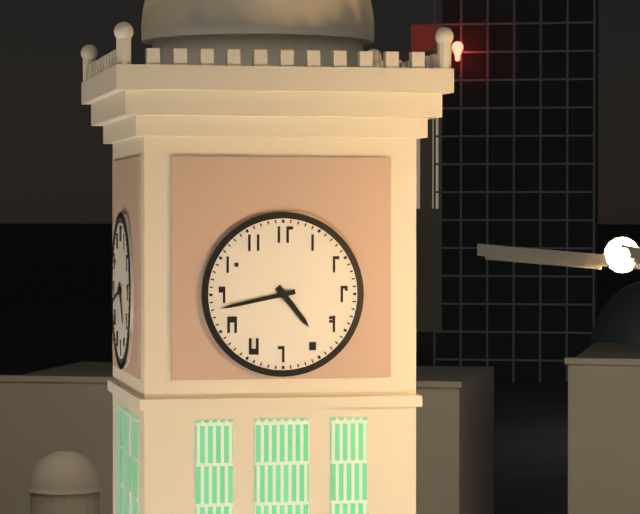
4:43
